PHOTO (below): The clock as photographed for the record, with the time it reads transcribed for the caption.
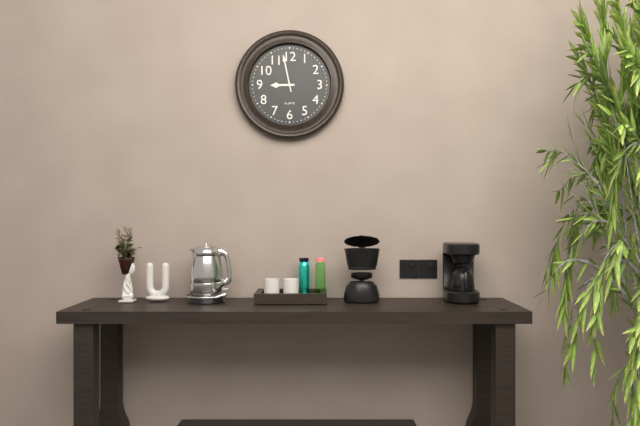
8:58
